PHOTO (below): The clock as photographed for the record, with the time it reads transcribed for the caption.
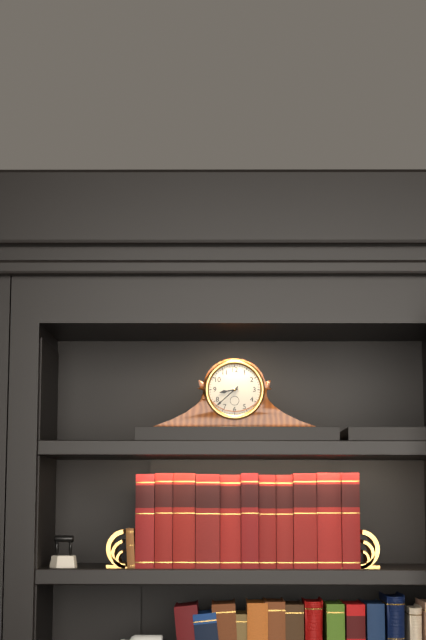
8:38
